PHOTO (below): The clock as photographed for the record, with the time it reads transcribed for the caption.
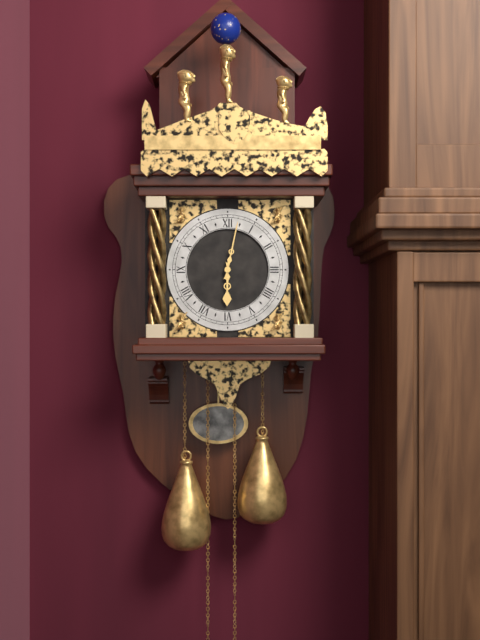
6:02
